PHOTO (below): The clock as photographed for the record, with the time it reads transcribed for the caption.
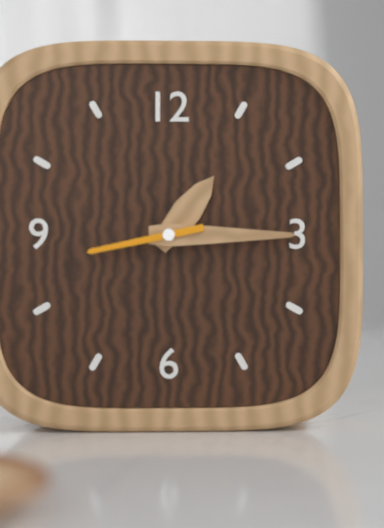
1:15:43
